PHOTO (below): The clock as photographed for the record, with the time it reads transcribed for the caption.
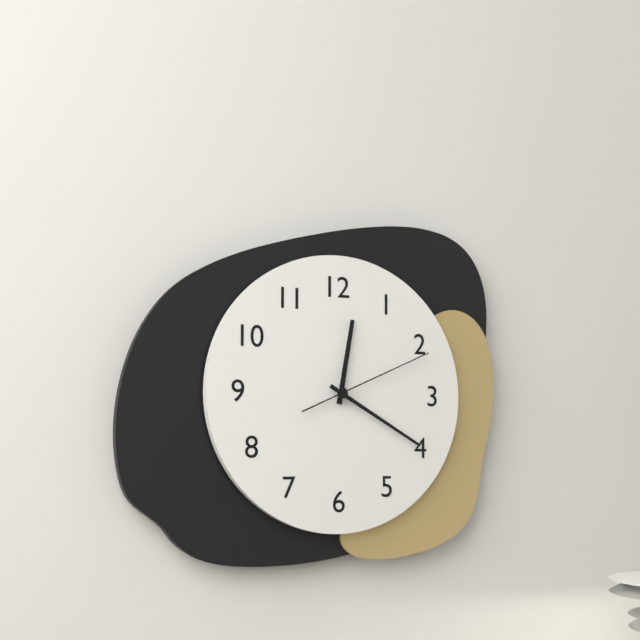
12:20:11
